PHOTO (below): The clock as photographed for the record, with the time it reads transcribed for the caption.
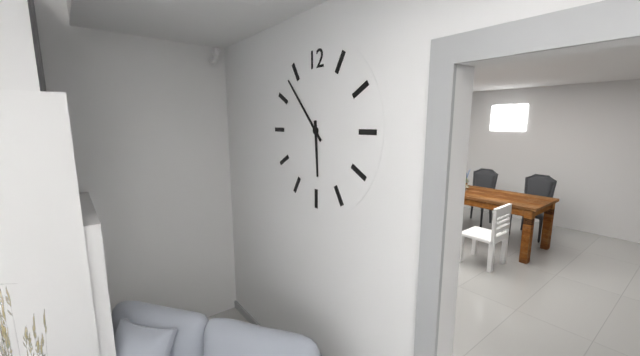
5:53
